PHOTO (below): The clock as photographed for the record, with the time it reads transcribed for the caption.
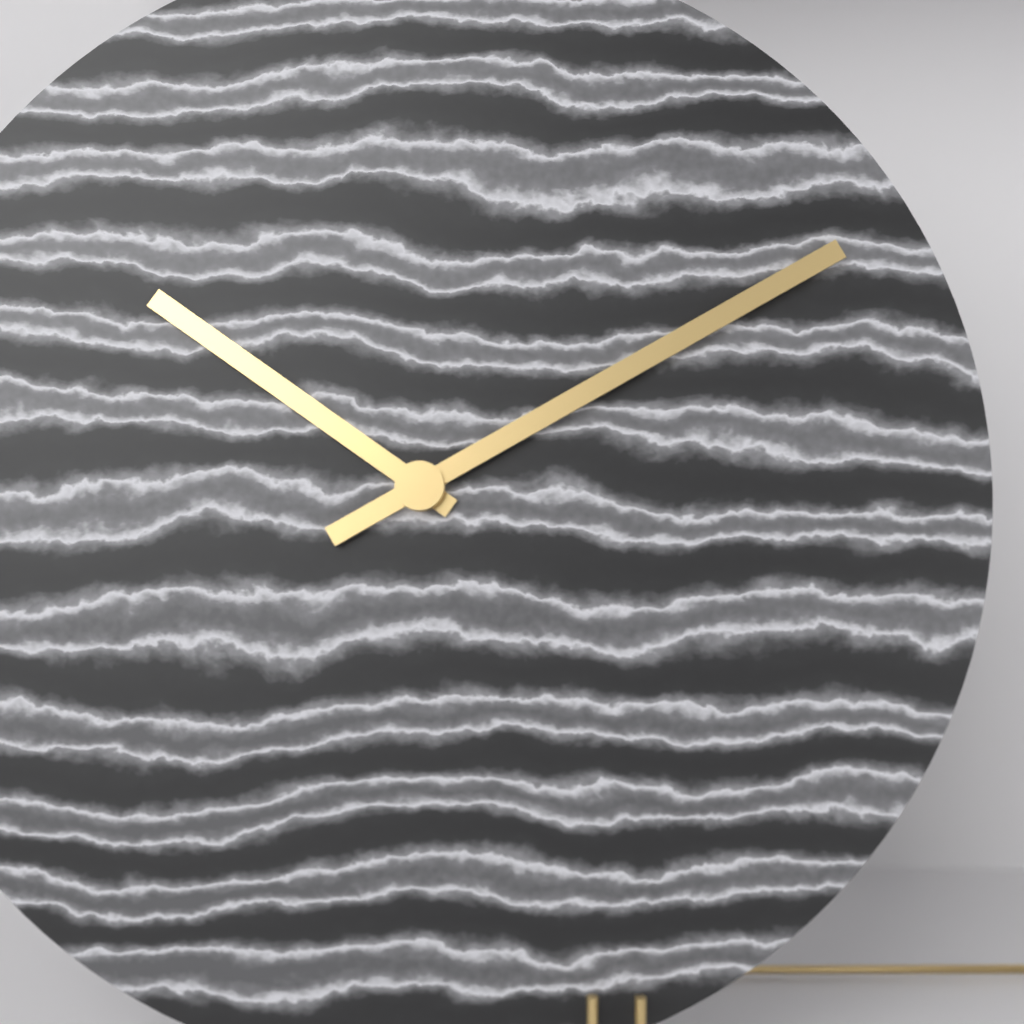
10:10
